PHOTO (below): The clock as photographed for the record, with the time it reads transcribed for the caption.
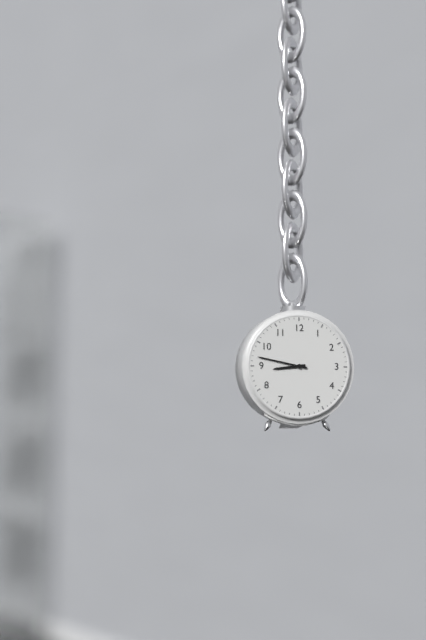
8:47
